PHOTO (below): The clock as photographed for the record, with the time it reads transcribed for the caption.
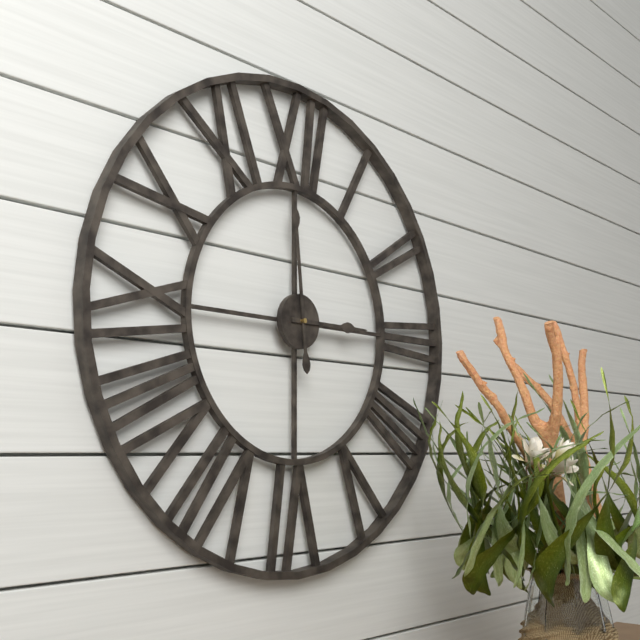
2:59
